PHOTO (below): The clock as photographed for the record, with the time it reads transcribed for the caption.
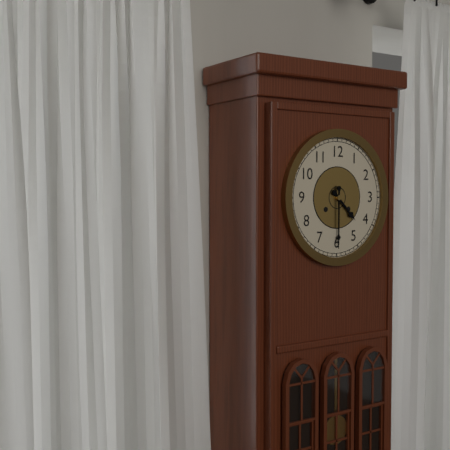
4:30
